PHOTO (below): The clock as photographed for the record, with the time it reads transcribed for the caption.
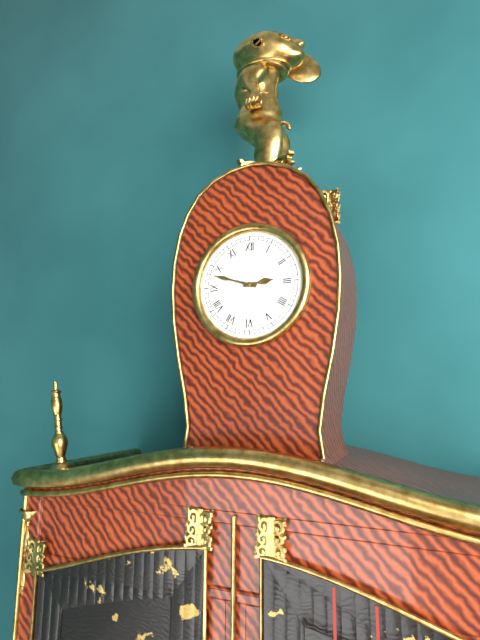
2:48
